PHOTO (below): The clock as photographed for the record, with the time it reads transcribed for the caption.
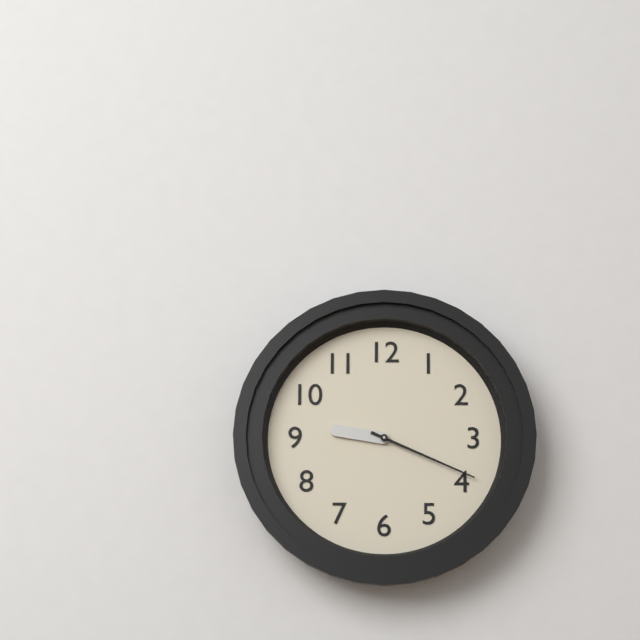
9:19
